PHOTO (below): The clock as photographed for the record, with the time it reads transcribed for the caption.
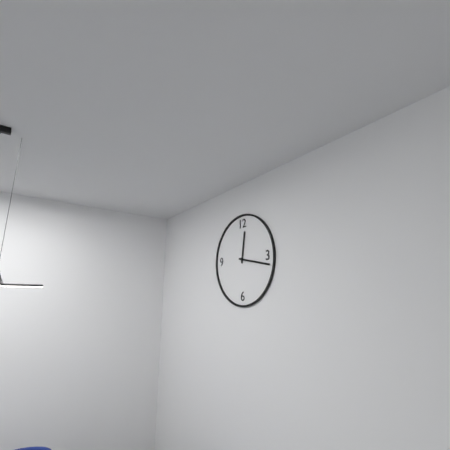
12:17
